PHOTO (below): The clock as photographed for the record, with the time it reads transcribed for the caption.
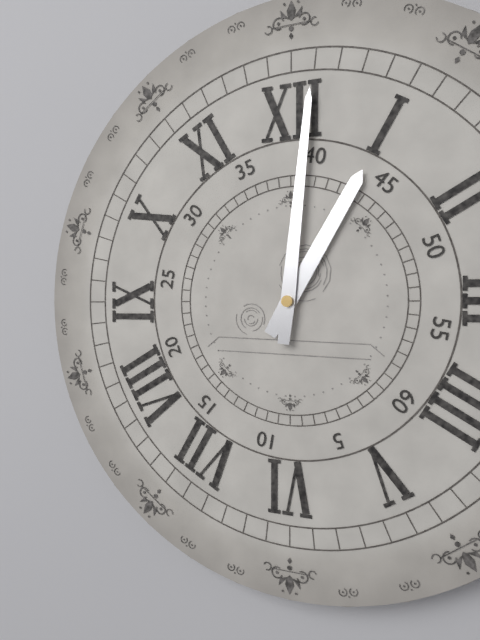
1:01
